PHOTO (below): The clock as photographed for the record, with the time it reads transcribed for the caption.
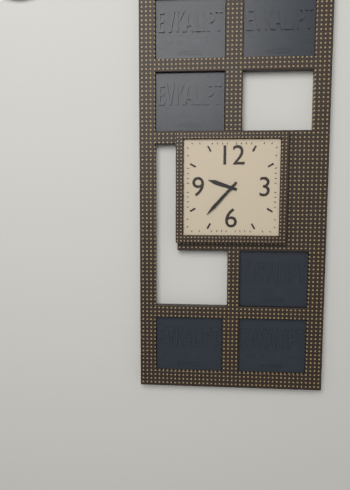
9:37
